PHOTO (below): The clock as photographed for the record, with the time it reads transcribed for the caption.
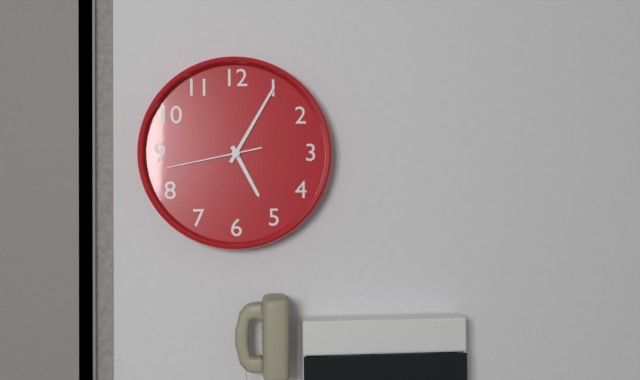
5:05:43
